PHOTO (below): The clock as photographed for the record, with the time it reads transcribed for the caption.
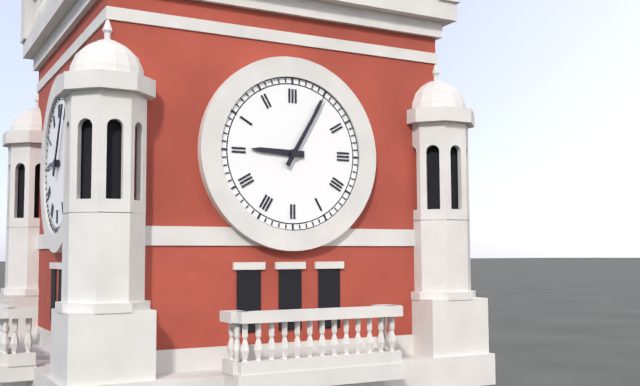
9:05
